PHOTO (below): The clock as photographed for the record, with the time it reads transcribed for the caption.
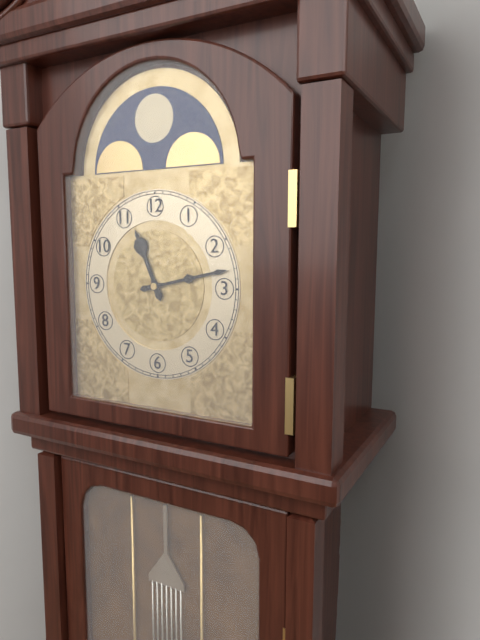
11:13
